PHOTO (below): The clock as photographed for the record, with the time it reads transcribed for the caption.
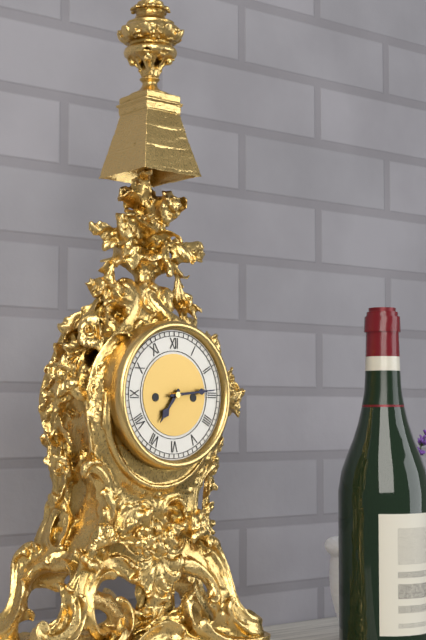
7:14
